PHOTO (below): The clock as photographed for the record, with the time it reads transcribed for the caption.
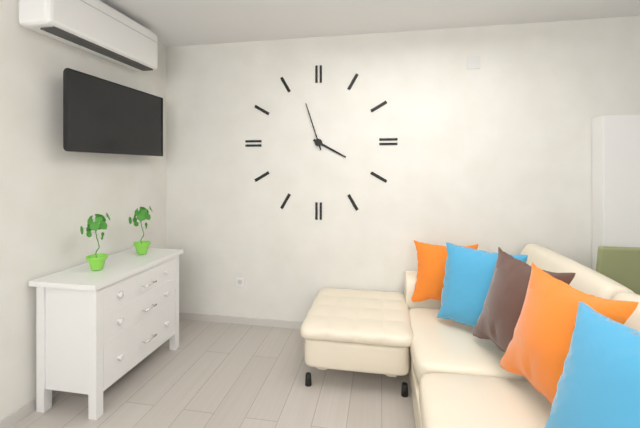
3:57
